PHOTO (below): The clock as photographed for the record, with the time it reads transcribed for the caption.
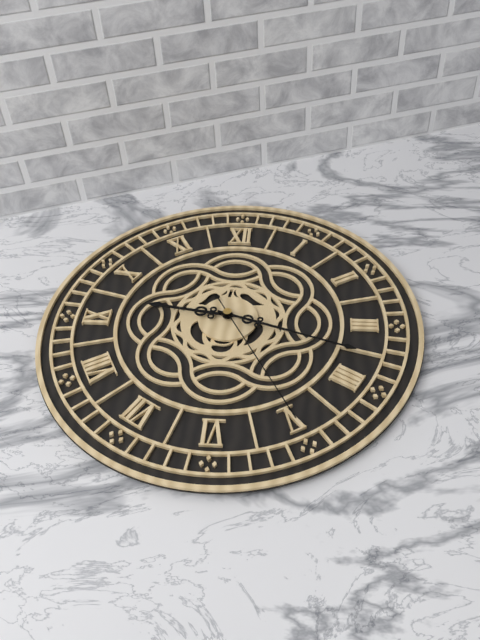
9:18:25
